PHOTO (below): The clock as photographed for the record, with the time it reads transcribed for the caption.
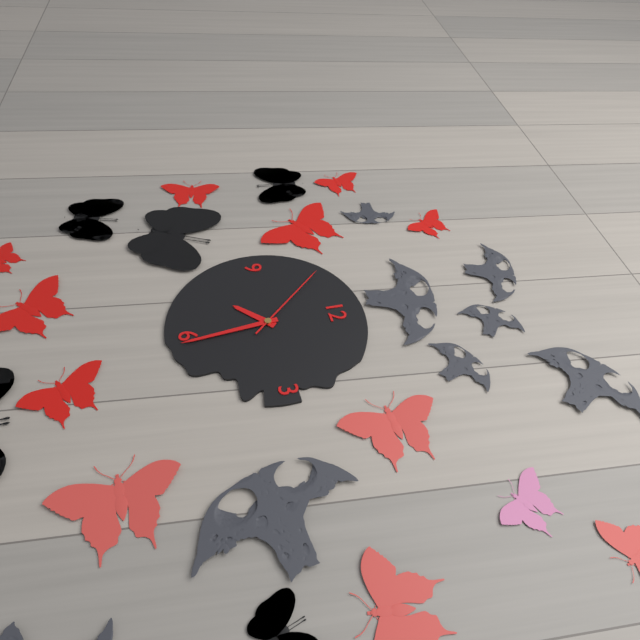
7:29:53
